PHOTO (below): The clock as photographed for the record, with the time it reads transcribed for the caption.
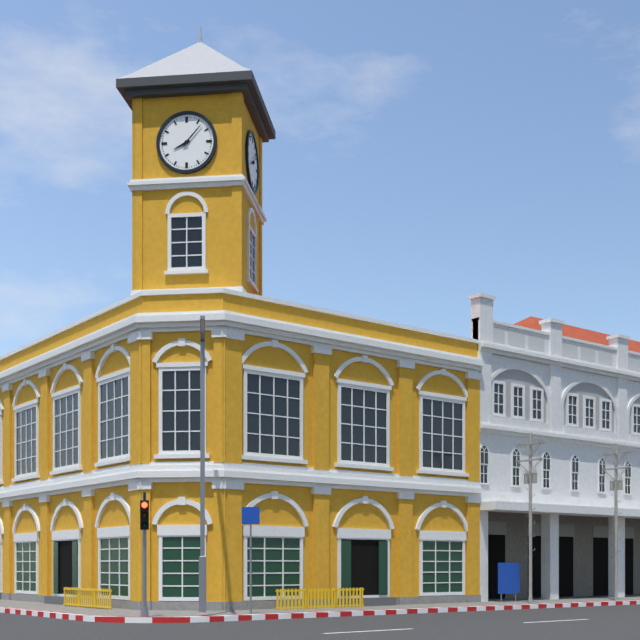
8:07
